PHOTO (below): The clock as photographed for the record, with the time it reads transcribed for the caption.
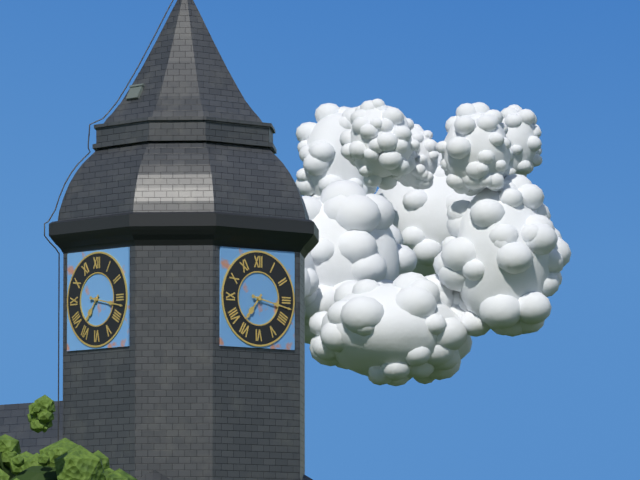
7:17
